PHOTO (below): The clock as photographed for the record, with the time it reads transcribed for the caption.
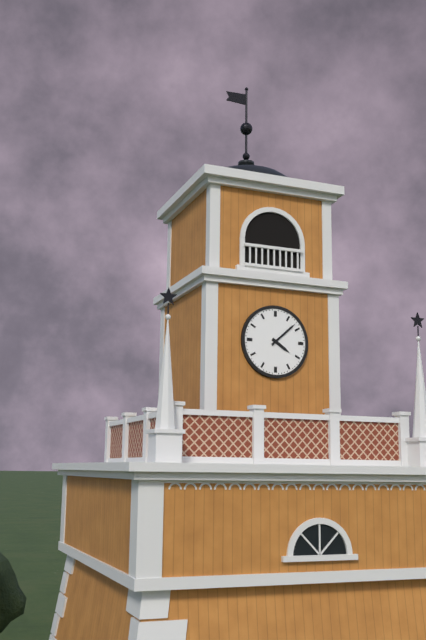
4:08
